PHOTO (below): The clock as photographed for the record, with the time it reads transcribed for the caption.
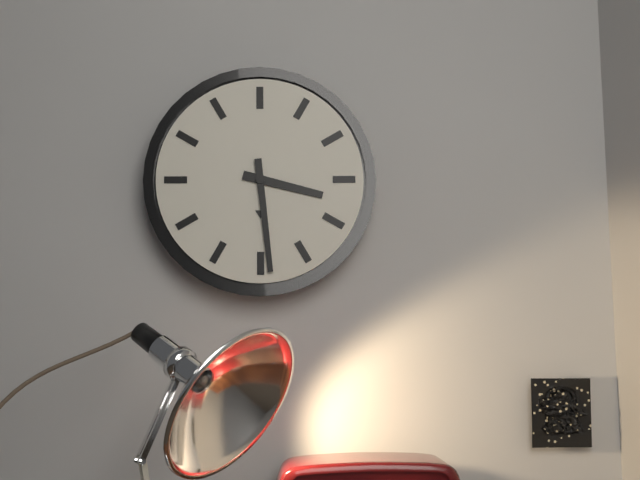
3:29
